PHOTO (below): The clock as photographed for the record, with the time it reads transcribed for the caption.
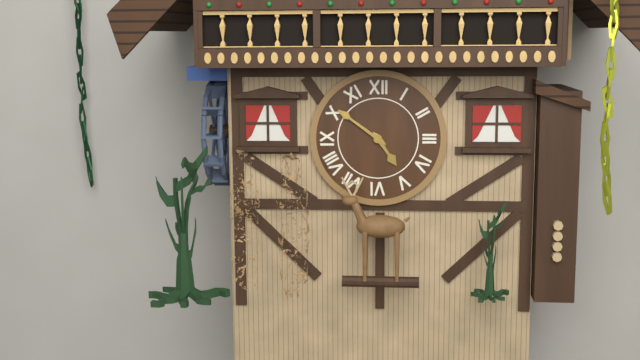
4:51
